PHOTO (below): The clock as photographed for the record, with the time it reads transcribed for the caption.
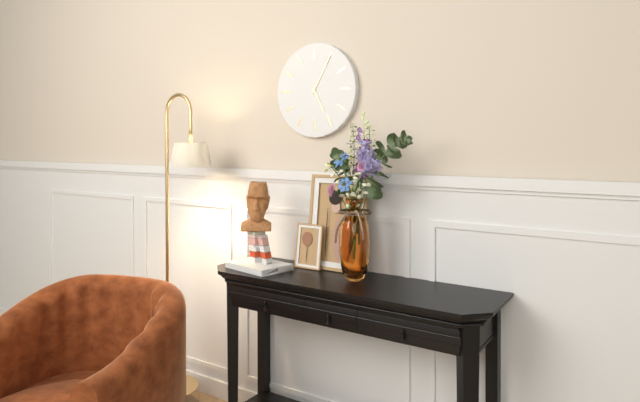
5:05
